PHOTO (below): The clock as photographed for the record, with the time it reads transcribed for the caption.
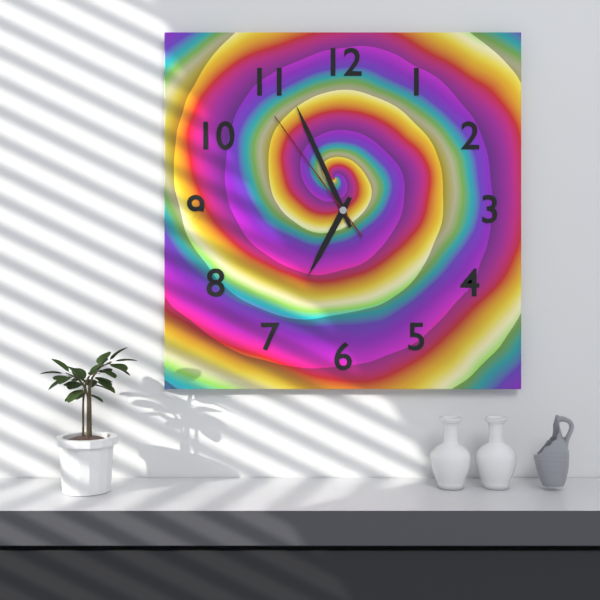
6:56:54
